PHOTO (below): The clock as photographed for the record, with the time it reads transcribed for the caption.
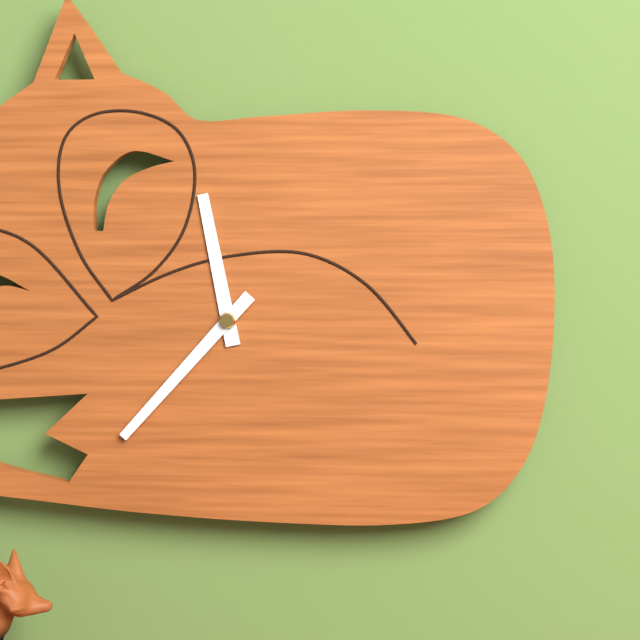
11:37
